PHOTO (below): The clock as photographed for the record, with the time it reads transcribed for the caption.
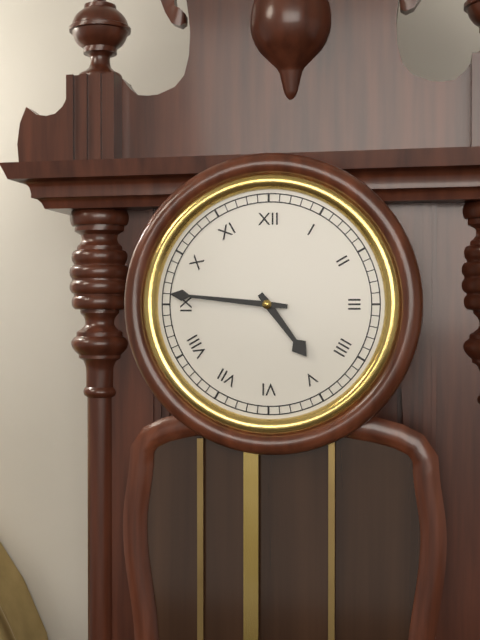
4:46
